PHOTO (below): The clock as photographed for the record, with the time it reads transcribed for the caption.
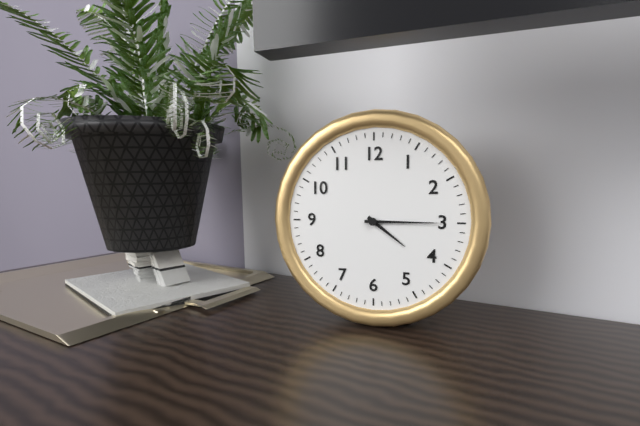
4:15
